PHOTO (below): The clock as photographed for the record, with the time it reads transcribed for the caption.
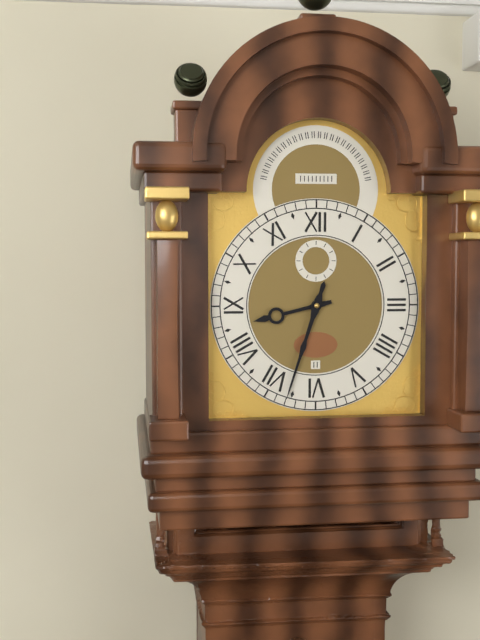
8:33
